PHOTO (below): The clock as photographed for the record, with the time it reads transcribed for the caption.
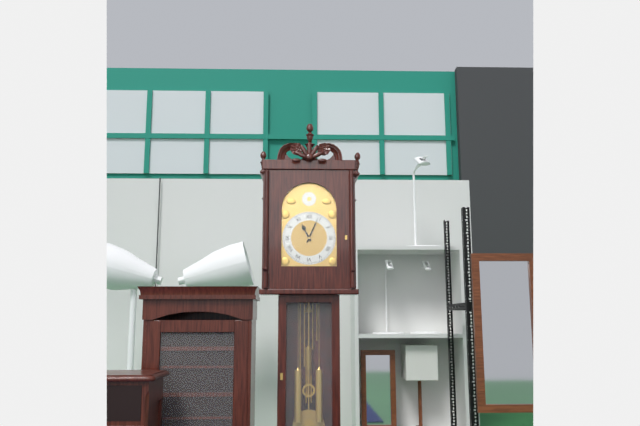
11:04
